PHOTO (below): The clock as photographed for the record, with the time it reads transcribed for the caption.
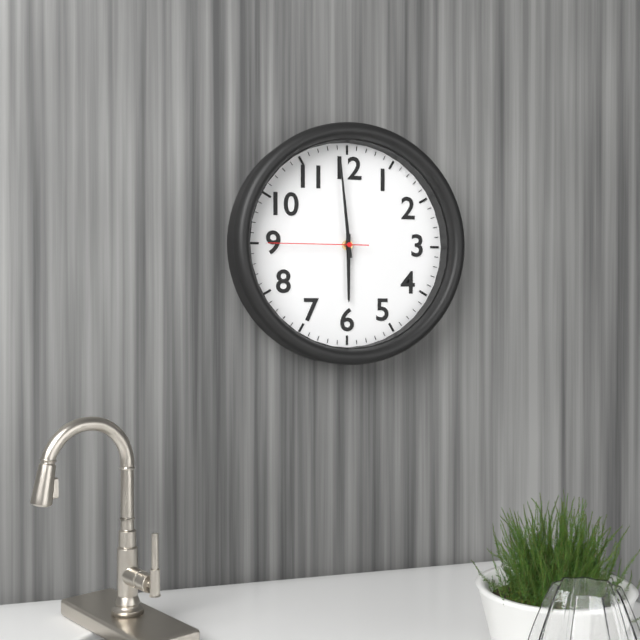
5:59:45
